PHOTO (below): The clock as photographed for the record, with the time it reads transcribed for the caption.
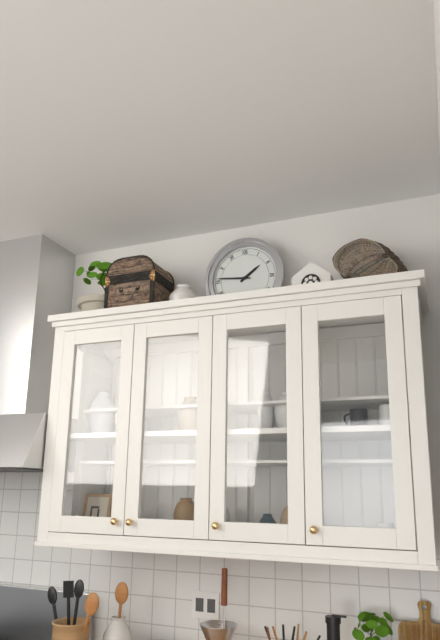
1:46
